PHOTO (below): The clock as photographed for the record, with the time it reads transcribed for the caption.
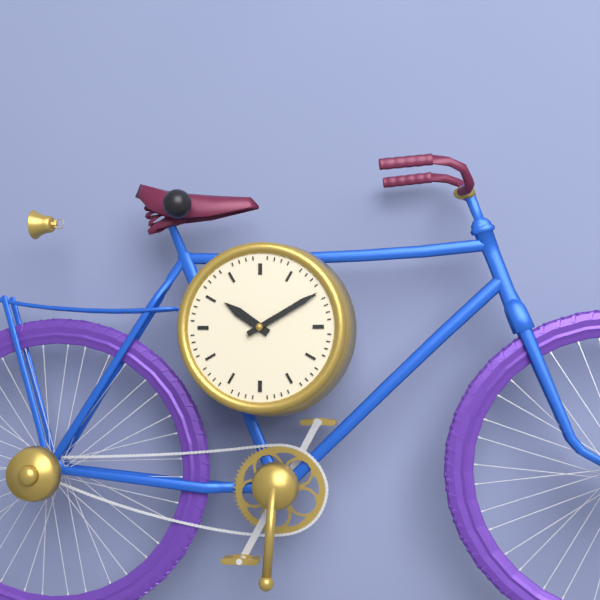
10:10
